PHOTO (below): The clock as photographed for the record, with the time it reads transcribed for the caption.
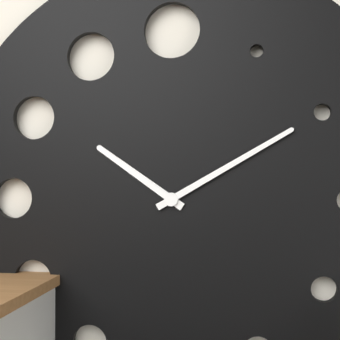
10:10
